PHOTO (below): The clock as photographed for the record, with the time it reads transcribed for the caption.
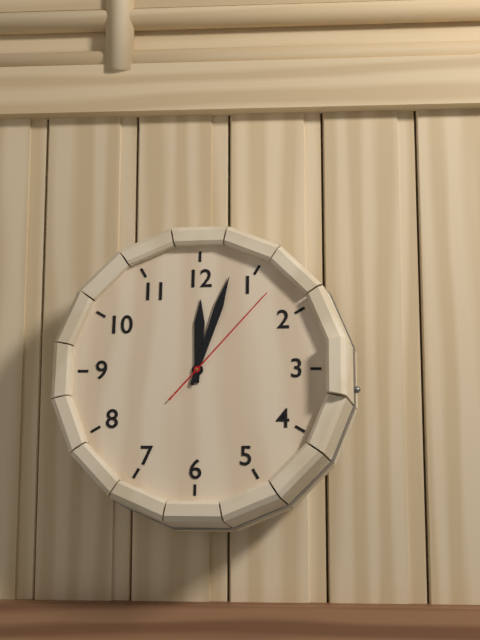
12:03:07
